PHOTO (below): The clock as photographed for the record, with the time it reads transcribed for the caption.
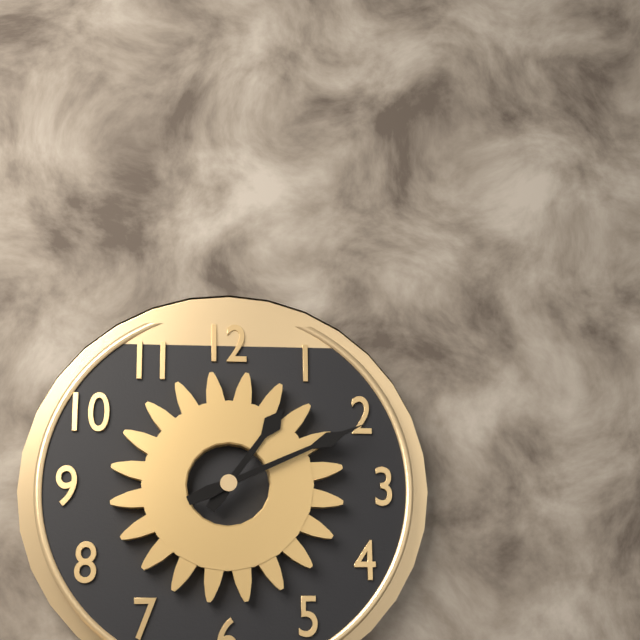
1:11
